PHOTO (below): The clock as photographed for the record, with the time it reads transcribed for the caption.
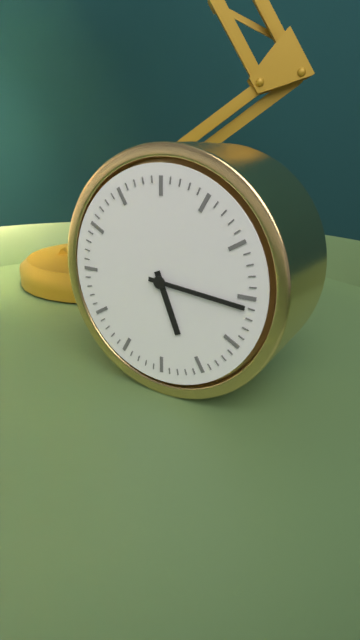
5:16
